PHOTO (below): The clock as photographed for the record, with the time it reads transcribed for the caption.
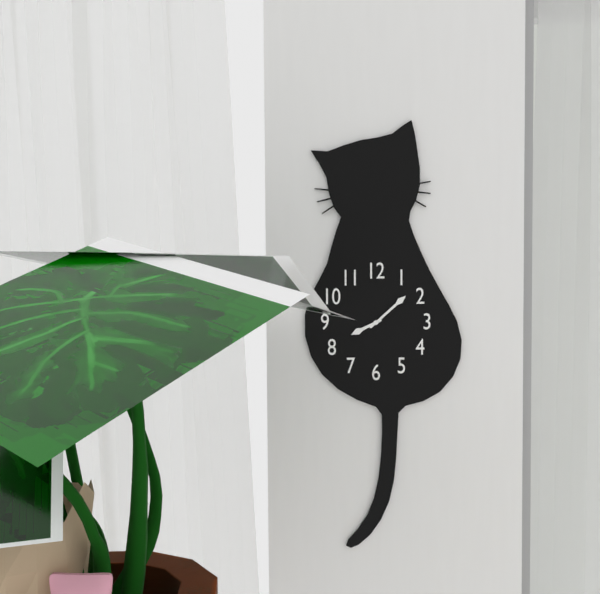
8:08
